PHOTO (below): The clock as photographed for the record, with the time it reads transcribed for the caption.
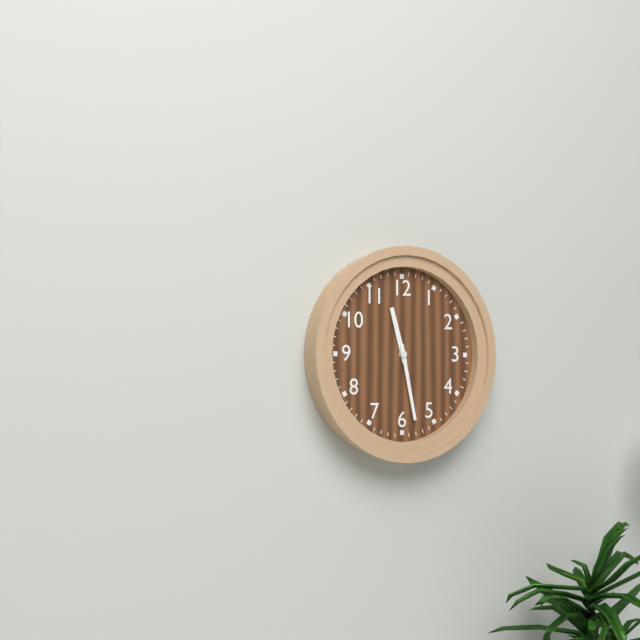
11:28
